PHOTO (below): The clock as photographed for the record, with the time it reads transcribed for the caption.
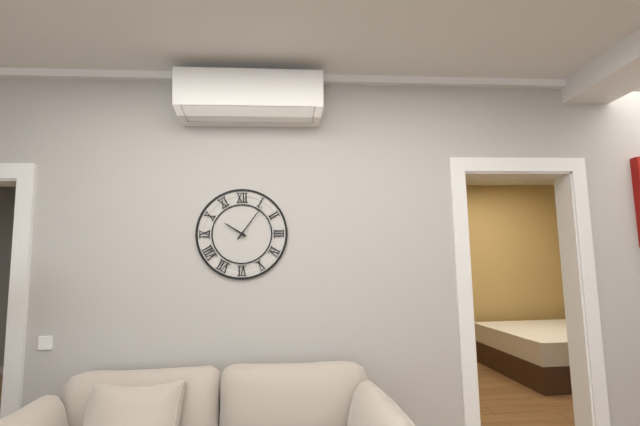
10:06
